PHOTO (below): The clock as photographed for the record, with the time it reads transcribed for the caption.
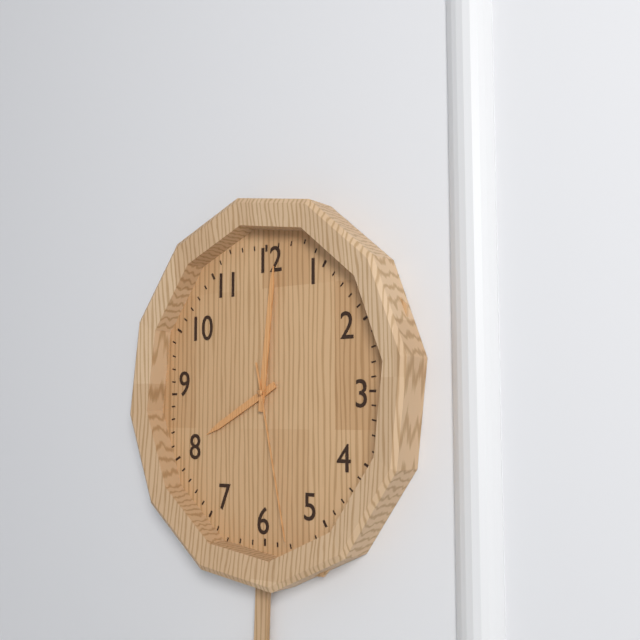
8:01:28
